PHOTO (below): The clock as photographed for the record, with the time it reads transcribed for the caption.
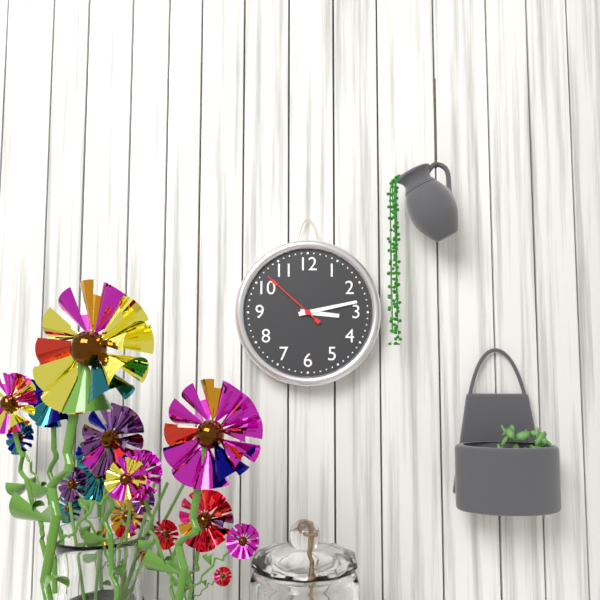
3:13:52
